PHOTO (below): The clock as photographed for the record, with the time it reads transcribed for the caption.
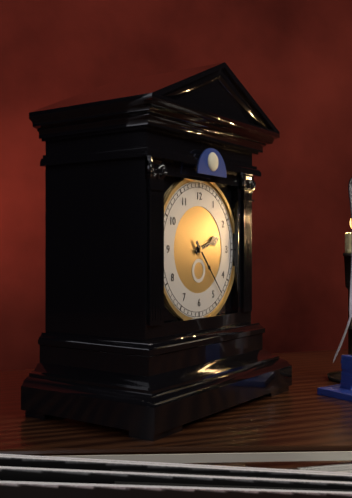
2:23
